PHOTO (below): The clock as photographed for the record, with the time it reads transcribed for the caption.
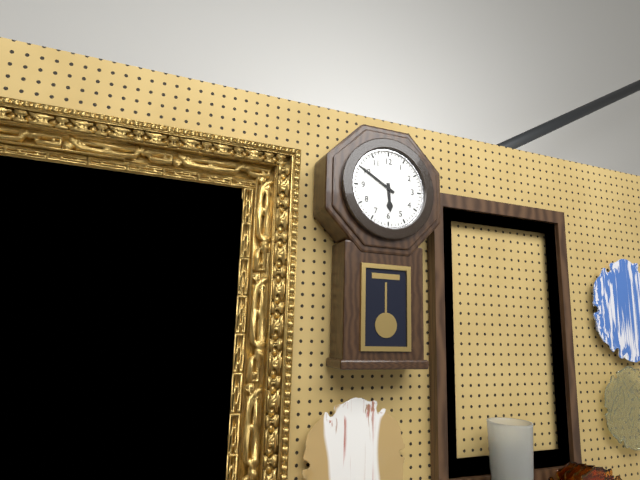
5:50
